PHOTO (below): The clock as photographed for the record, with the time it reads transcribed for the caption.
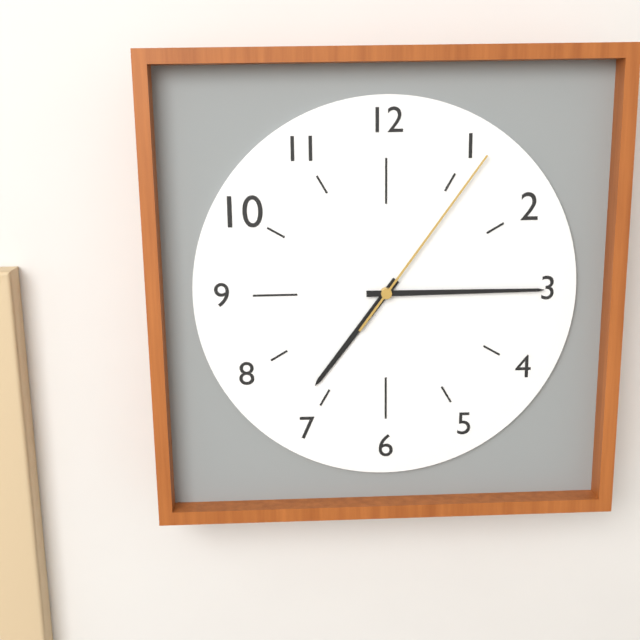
7:15:06
